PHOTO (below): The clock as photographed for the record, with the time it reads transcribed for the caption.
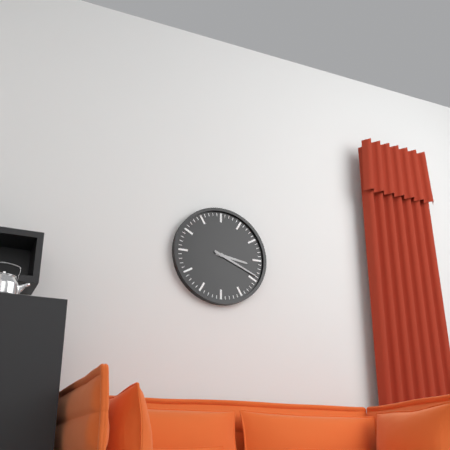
3:19
